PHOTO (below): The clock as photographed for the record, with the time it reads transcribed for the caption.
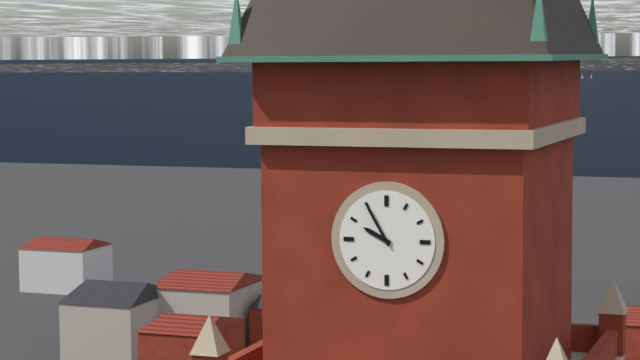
9:55
